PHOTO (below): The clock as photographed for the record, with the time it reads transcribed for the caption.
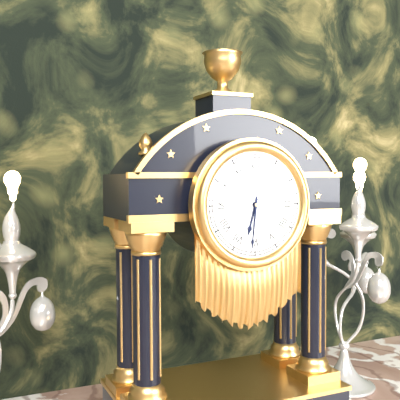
6:31
